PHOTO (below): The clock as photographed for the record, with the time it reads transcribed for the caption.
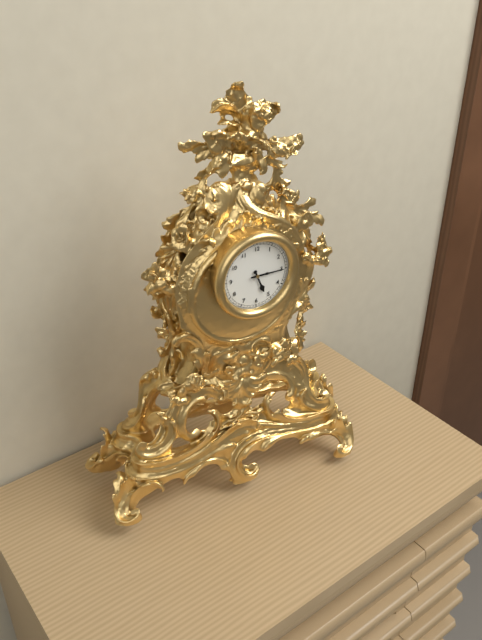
5:15
